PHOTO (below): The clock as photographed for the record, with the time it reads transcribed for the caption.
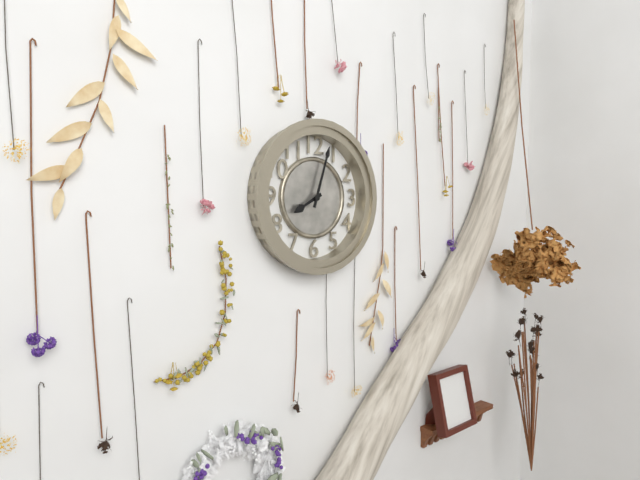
8:03
